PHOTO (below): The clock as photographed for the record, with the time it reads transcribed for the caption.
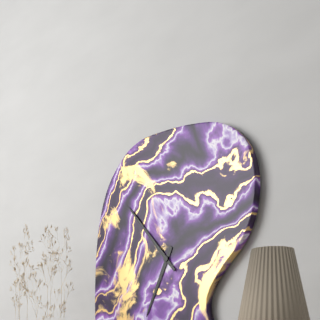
6:53
